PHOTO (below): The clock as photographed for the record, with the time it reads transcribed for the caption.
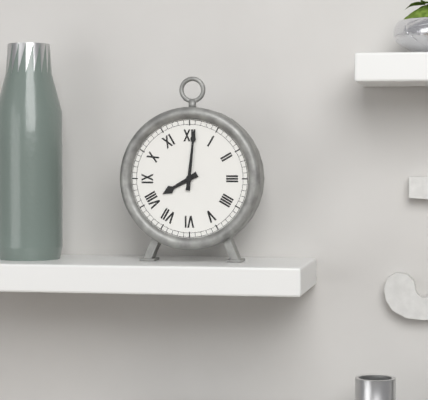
8:01
